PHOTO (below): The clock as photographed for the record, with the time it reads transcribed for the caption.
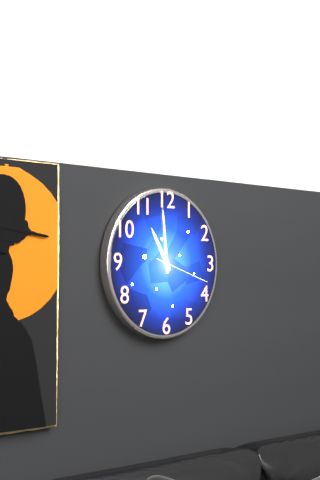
10:59:18
